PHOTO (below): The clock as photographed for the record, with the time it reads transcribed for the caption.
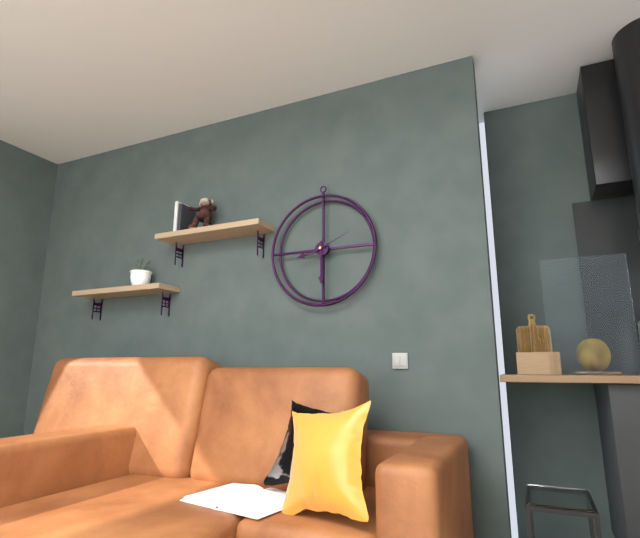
8:30
